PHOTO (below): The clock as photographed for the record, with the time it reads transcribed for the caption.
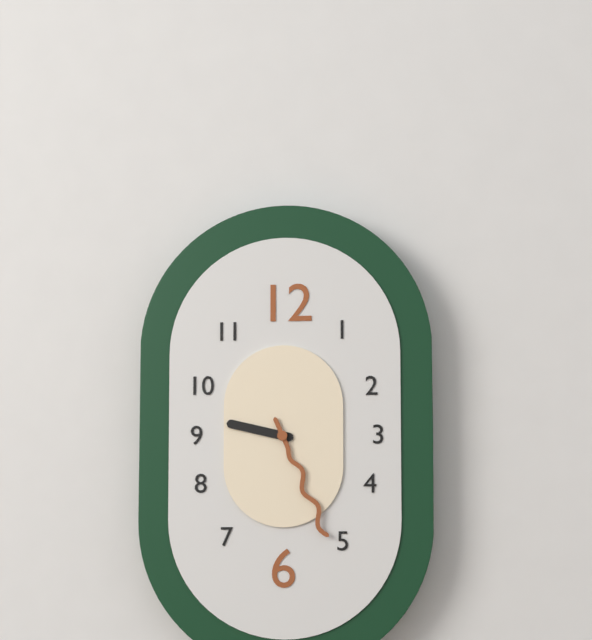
9:26
